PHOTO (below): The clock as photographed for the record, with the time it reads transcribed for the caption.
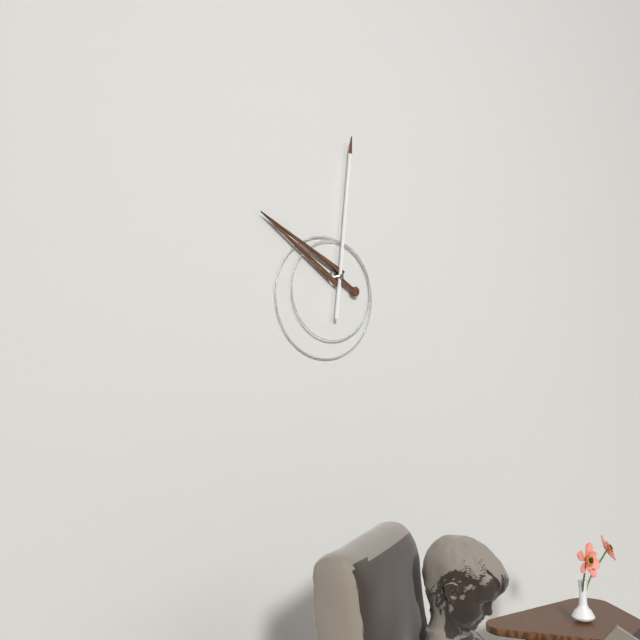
10:01
